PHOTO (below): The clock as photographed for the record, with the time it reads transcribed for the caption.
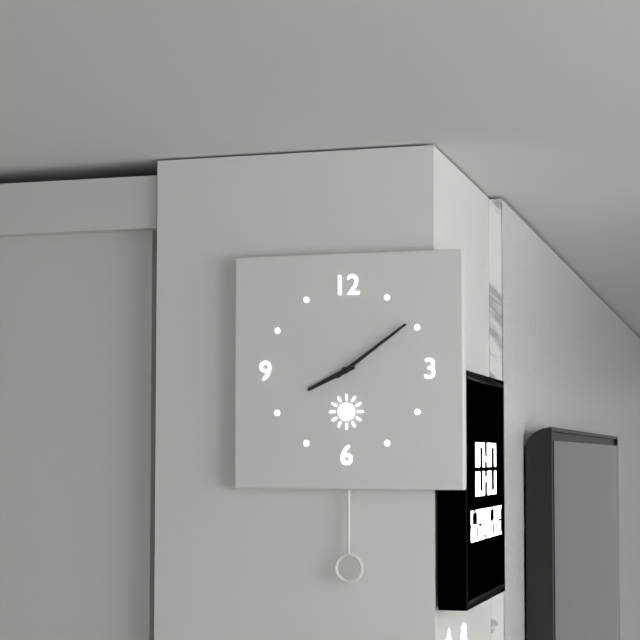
8:09
